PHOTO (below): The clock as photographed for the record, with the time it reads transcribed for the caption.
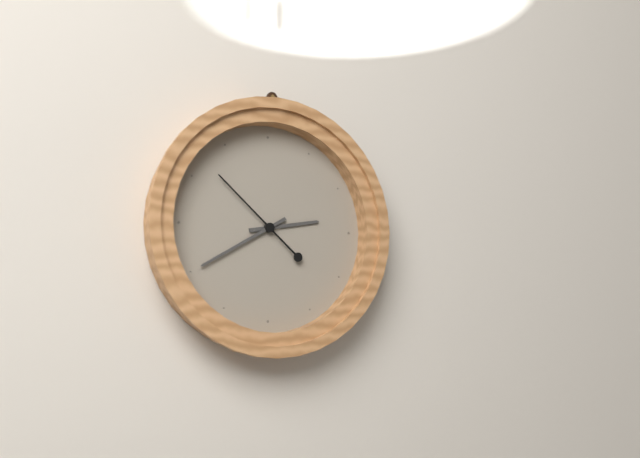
2:40:52
